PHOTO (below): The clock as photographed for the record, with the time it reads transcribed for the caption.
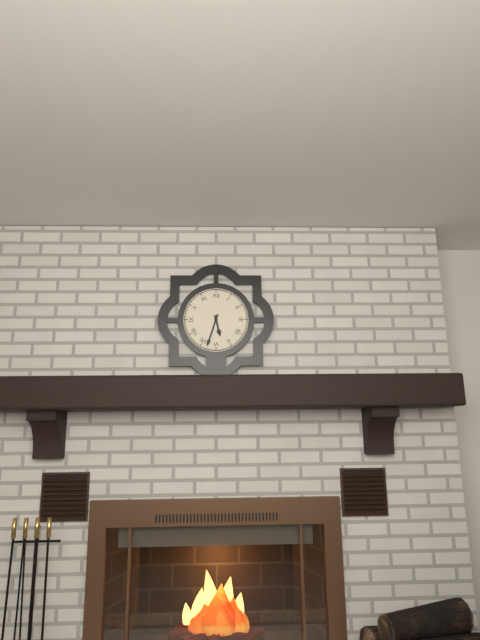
5:33
